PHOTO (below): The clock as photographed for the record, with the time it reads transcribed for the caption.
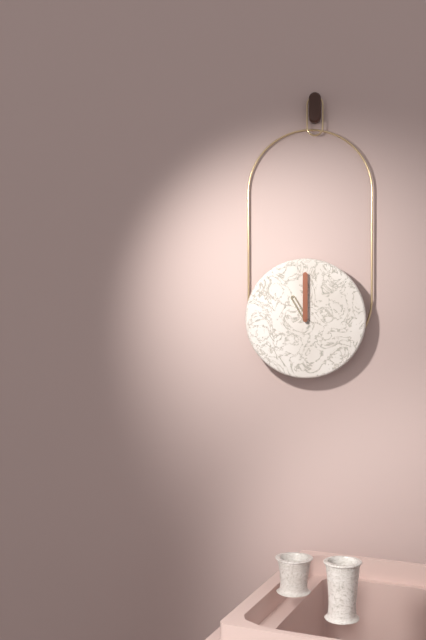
11:00
